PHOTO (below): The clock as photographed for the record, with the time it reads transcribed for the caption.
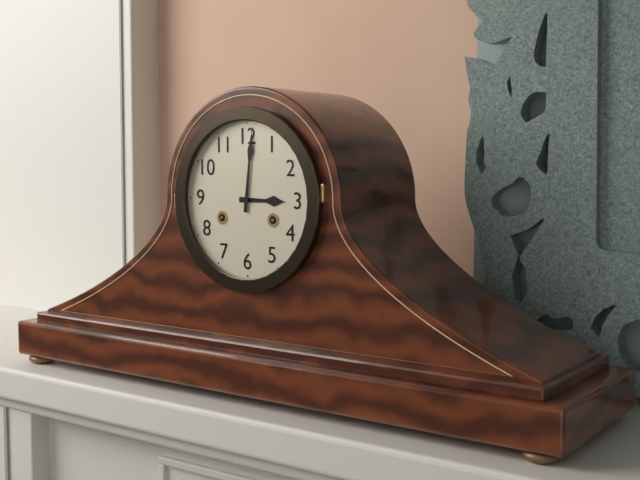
3:01
